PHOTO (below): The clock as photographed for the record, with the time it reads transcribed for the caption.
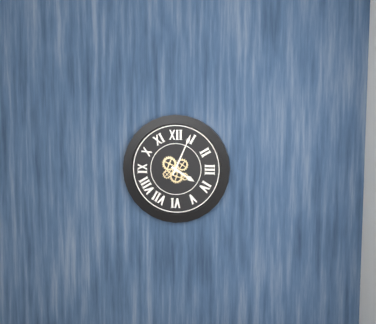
4:04
